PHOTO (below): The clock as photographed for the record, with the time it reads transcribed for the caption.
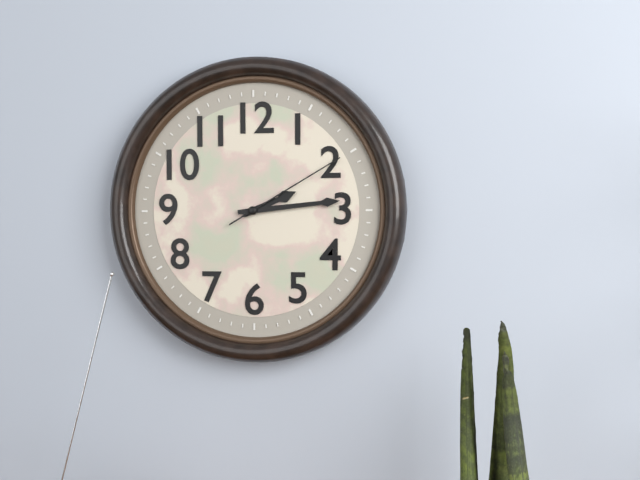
2:14:10
